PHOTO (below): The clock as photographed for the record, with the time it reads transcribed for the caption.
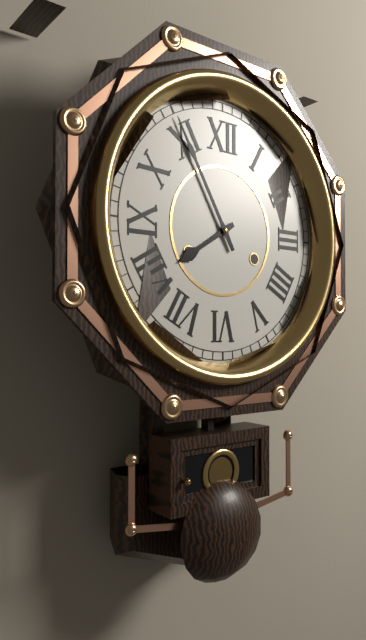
7:55
